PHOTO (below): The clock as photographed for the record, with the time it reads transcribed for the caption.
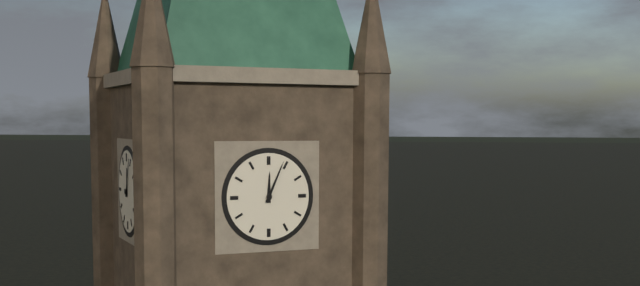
12:04
